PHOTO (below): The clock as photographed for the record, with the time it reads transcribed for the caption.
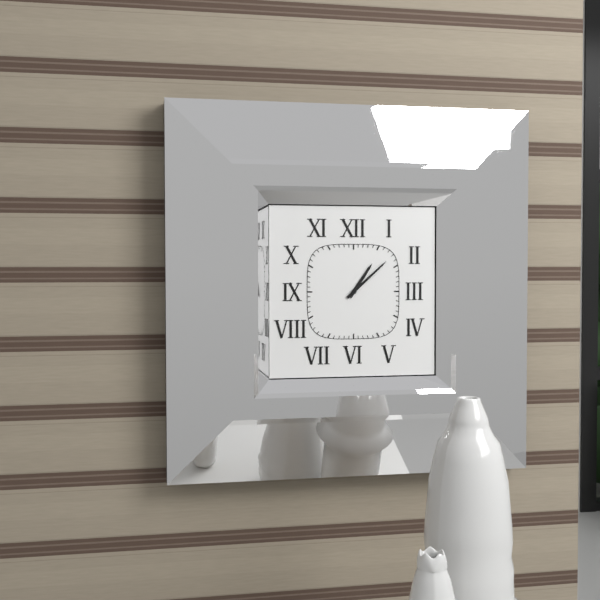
1:08
